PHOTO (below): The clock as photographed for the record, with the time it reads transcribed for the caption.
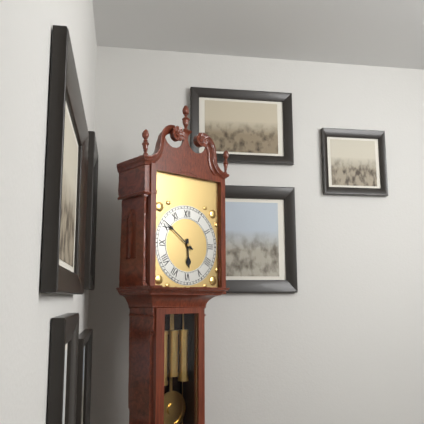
5:51
